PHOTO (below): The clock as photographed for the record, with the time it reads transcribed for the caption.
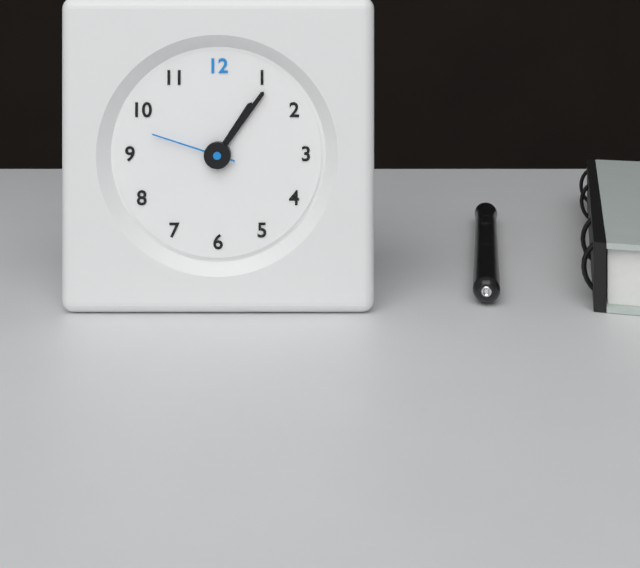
1:06:48
